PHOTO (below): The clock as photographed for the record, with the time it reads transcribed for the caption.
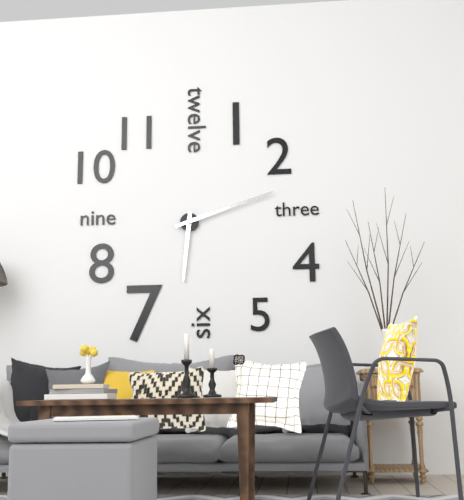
6:12
